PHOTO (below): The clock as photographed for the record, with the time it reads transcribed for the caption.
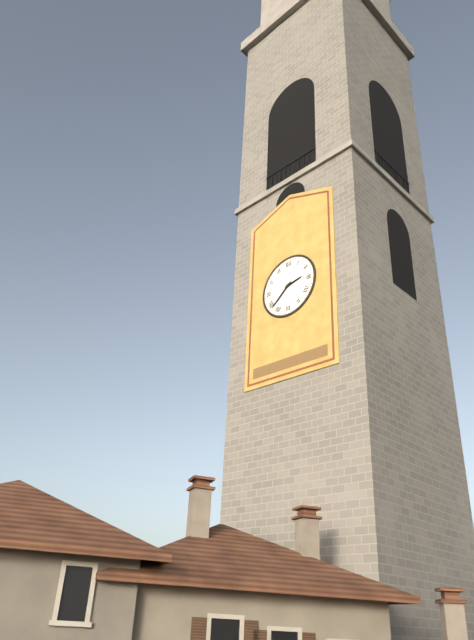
2:38
